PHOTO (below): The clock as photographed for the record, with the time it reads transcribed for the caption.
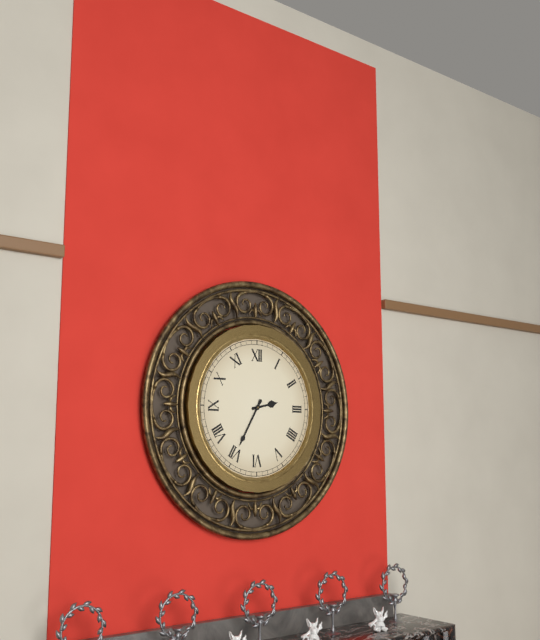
2:35
